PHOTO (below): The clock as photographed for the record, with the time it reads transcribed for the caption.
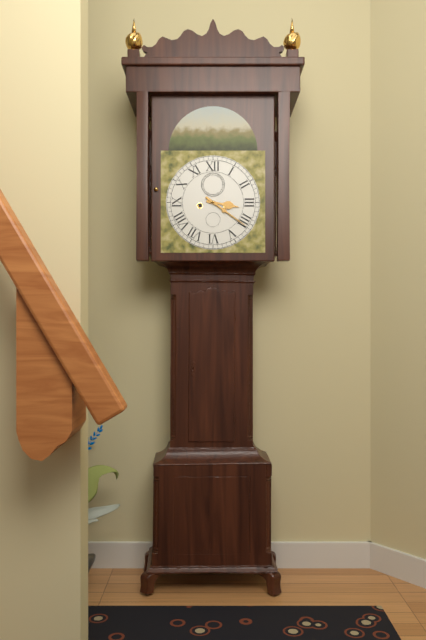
3:21
